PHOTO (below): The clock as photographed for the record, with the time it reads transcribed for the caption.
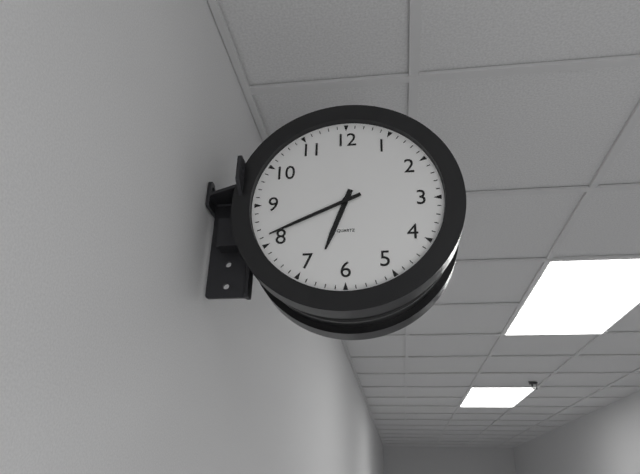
6:41
